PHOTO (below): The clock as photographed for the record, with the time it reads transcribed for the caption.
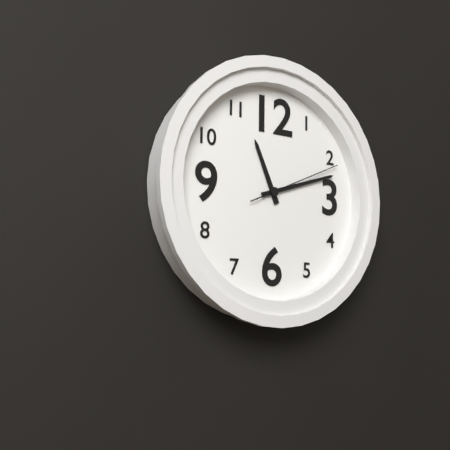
11:12:11
